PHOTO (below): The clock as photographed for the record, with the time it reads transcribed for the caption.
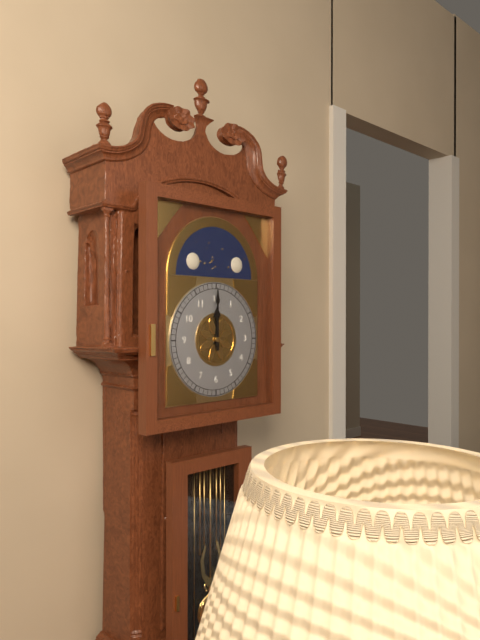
12:00
